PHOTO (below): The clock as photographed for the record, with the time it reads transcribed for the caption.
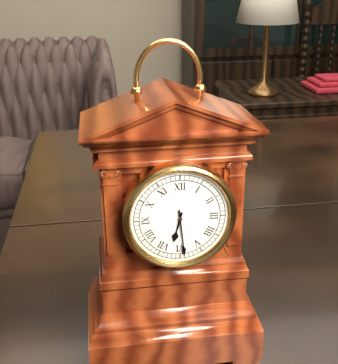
6:29
